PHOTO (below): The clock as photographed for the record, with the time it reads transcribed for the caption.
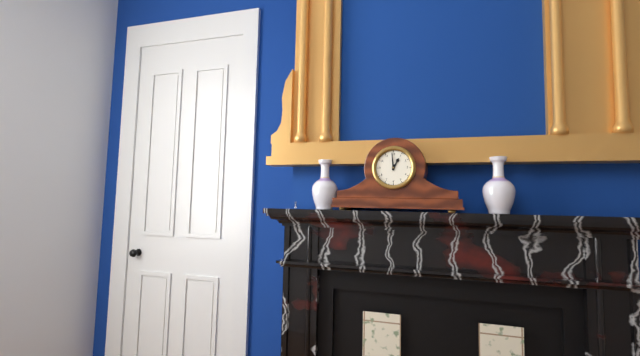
12:59
